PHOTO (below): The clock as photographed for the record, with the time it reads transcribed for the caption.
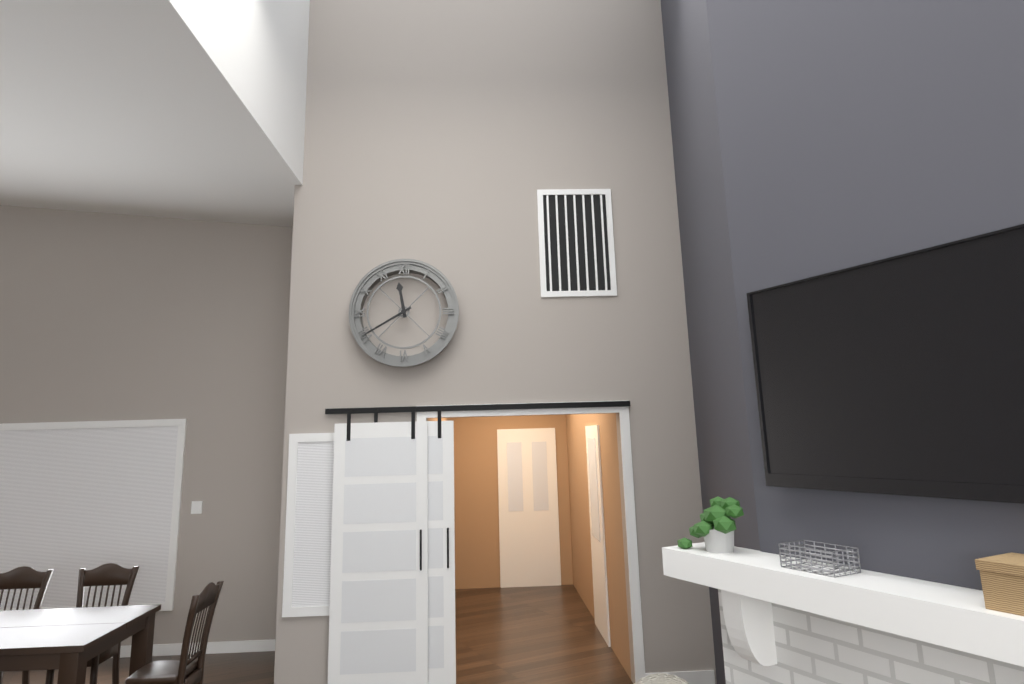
11:40
